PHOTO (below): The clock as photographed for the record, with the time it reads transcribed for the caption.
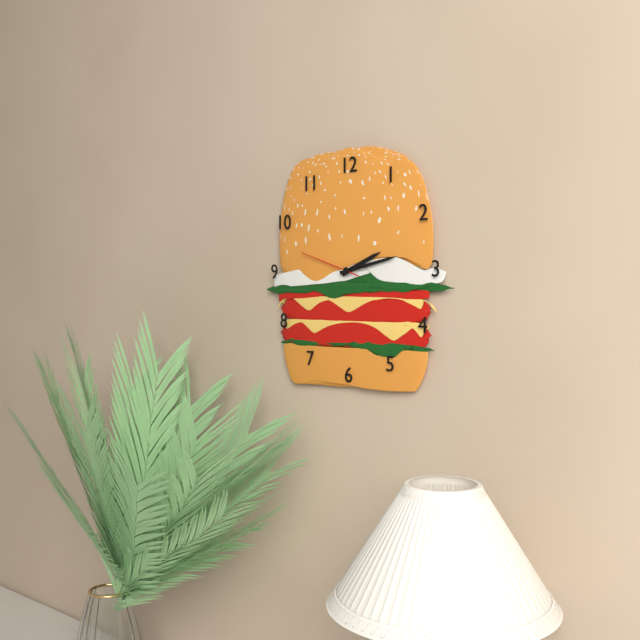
2:13:48
